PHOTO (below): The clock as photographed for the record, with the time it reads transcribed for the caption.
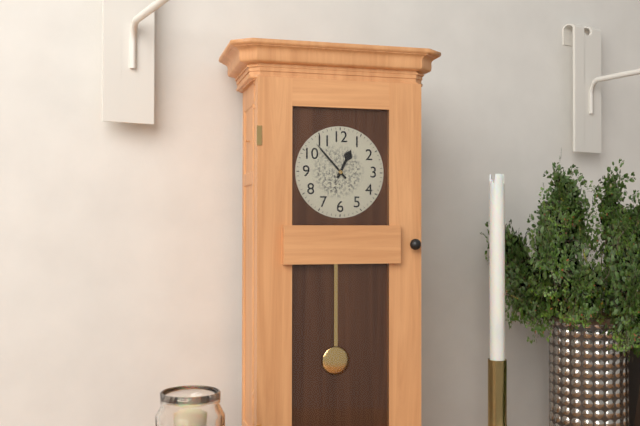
12:53
